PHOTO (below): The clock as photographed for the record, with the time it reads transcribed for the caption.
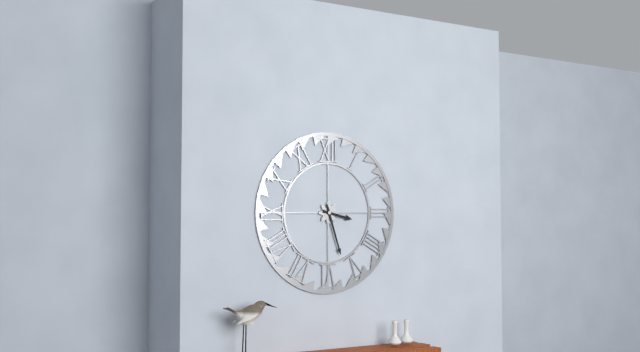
3:27
